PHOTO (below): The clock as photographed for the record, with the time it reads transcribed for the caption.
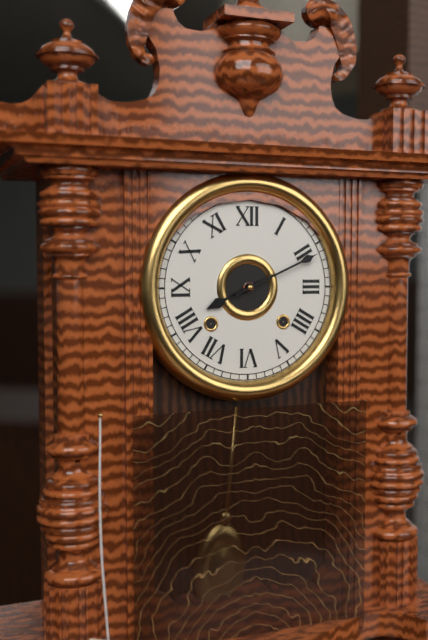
8:11
